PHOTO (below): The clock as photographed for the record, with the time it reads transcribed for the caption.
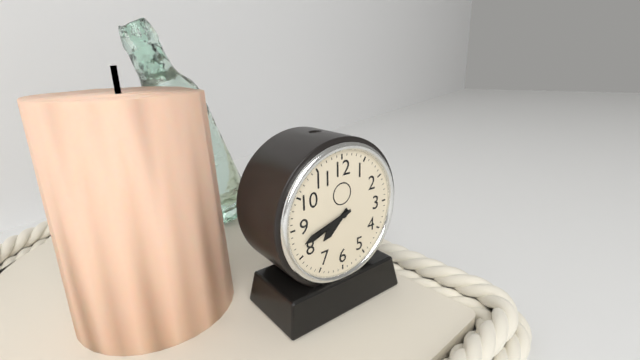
7:42
